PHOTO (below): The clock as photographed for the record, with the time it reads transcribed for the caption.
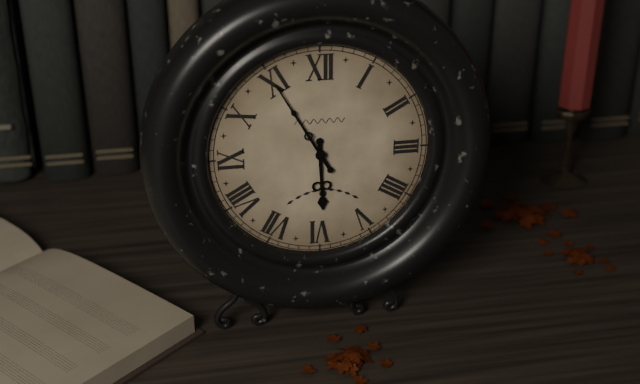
5:55
